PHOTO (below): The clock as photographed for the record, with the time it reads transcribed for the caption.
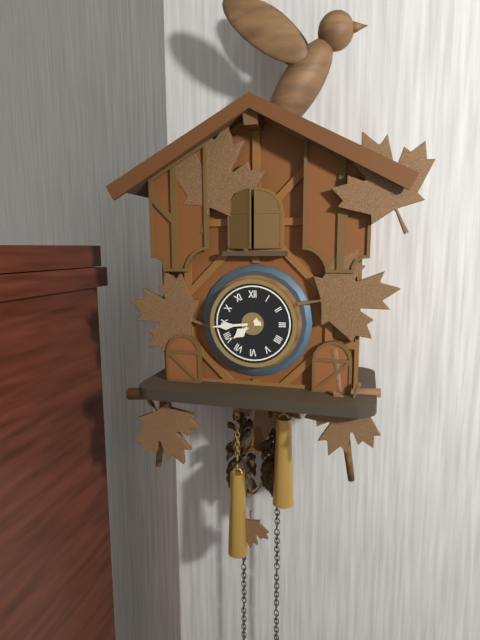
7:44
